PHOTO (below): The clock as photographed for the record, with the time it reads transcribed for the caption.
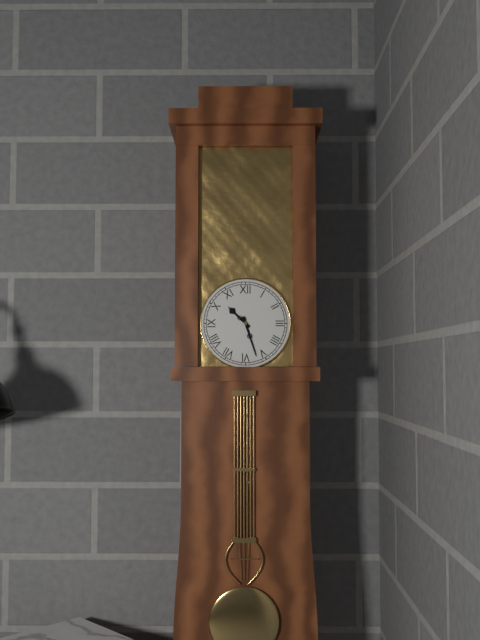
10:27
